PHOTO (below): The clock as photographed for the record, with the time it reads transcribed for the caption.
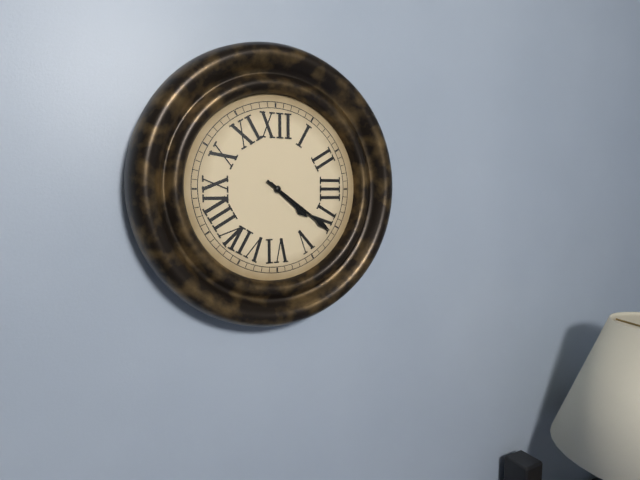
4:21
